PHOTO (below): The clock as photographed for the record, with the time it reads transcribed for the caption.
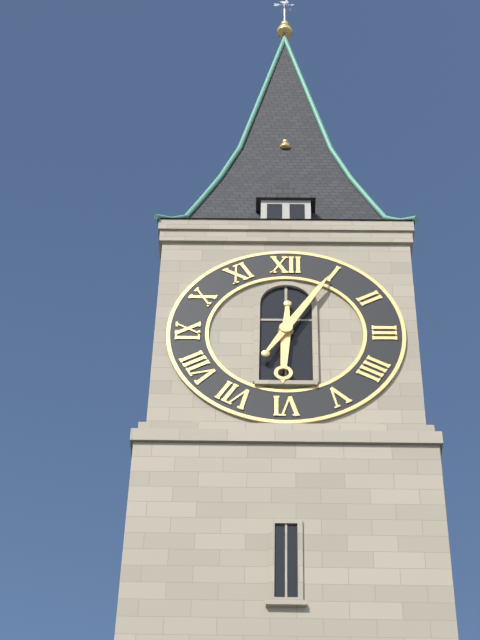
6:05
